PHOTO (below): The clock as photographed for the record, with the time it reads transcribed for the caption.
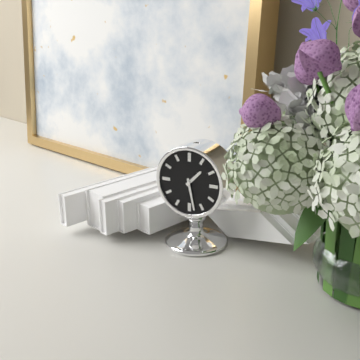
1:28
